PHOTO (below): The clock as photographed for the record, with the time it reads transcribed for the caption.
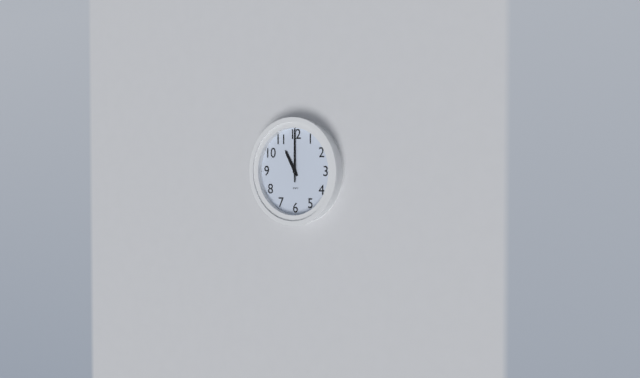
11:00
